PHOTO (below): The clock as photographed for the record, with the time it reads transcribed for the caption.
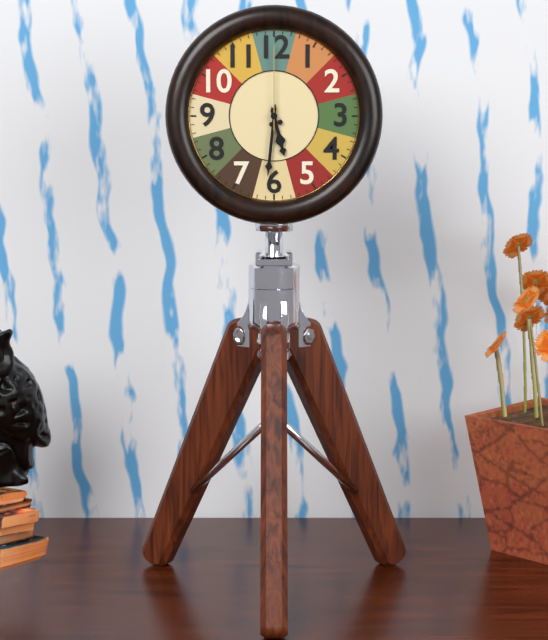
5:31:00
